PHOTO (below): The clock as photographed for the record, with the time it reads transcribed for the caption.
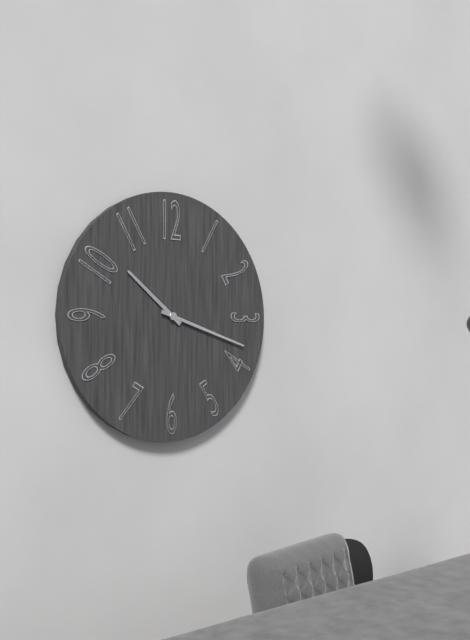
10:18
